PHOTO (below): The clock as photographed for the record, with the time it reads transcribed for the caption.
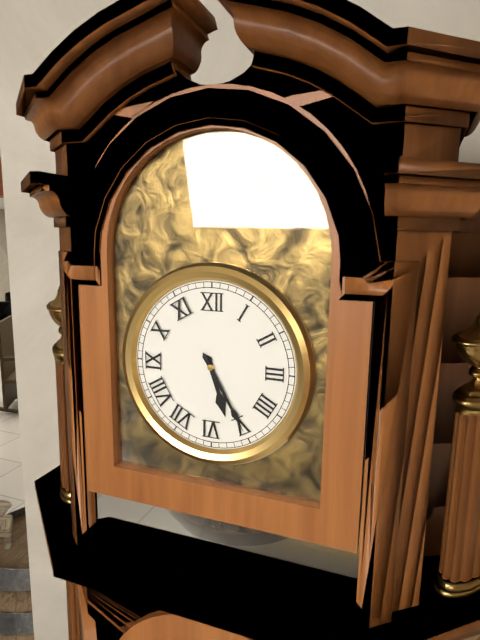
5:25
